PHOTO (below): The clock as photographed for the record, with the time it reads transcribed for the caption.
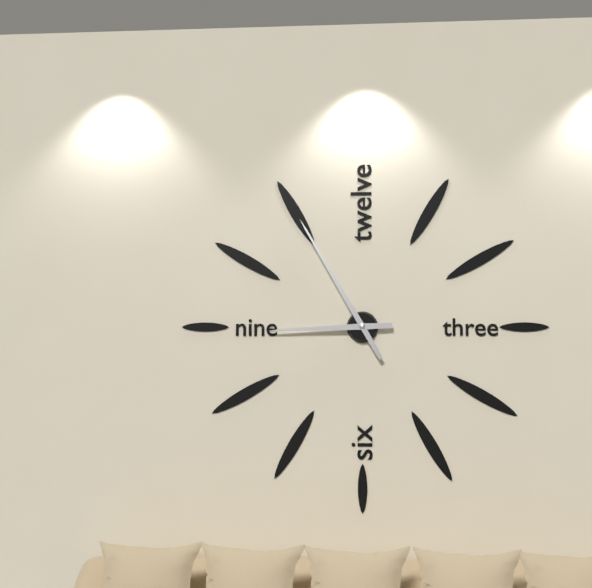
8:55
